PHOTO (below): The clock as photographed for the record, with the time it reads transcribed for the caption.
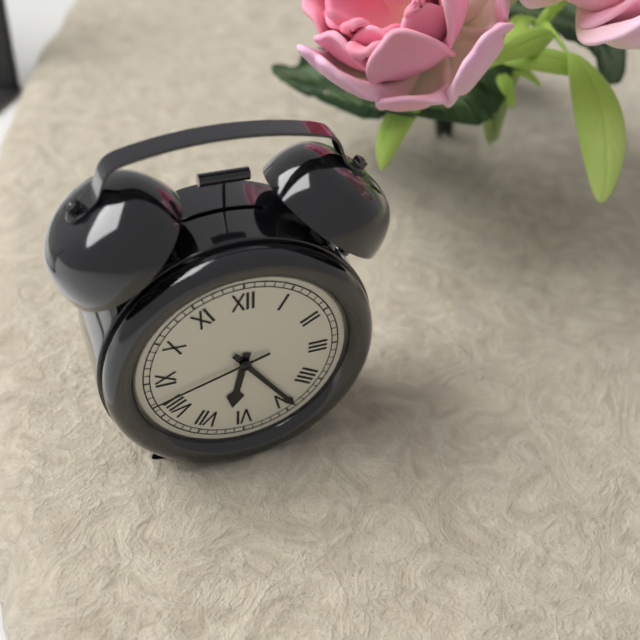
6:24:42
